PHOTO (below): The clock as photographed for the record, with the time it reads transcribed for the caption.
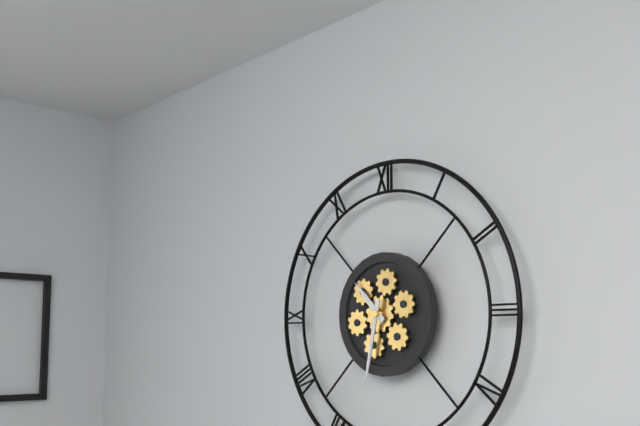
10:32
